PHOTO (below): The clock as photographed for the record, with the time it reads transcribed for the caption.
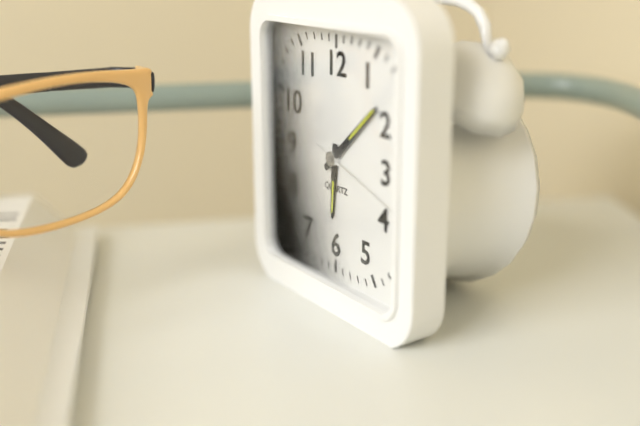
6:08:18
